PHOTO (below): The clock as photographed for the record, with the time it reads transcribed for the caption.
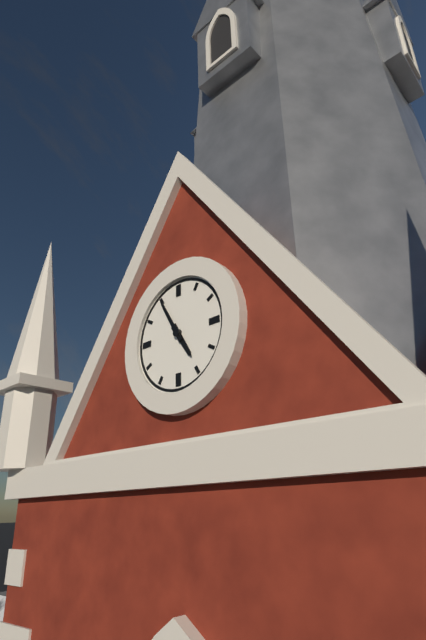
4:55
